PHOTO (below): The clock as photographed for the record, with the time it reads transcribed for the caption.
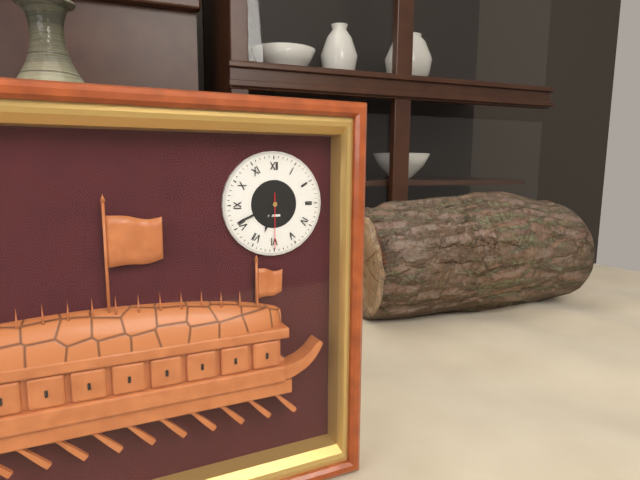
6:41:30
